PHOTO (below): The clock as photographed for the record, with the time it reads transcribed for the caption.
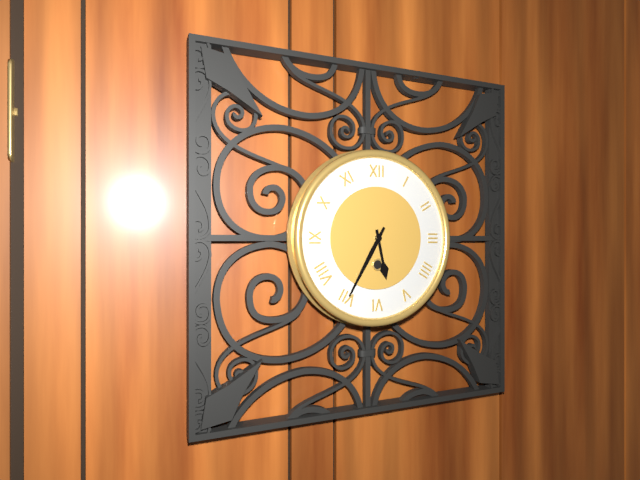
5:35
